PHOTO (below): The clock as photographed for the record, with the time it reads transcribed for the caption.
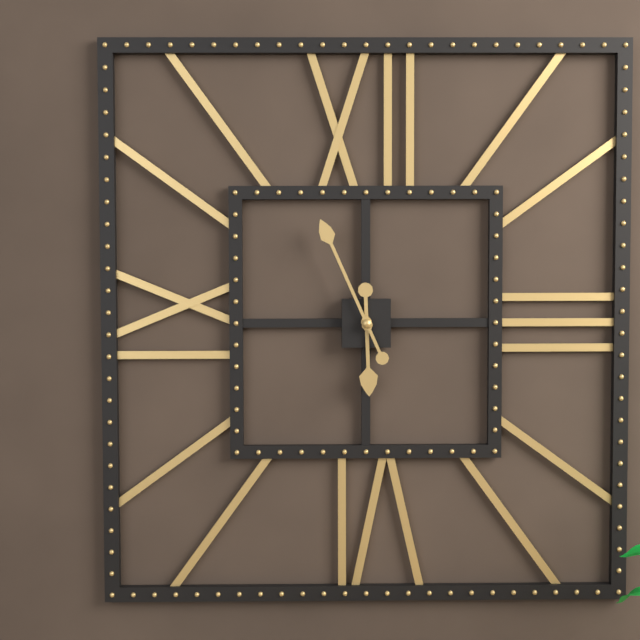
5:56
